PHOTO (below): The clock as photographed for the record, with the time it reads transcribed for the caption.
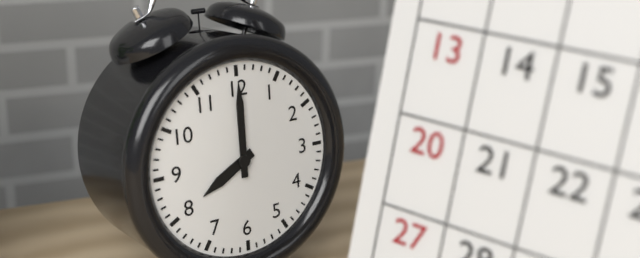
8:00
